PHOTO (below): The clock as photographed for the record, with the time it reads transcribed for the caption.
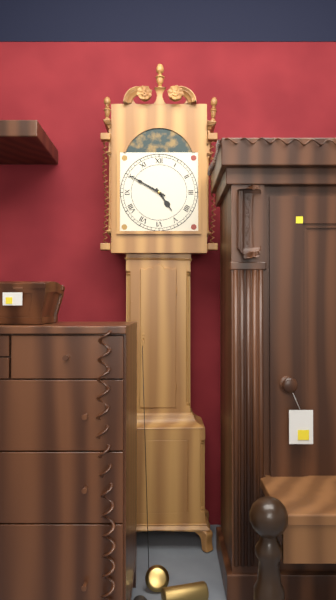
4:50
